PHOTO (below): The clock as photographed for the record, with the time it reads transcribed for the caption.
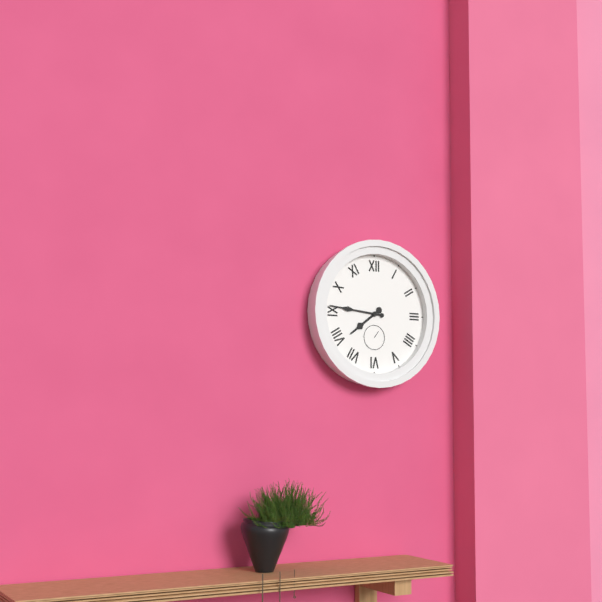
7:46
